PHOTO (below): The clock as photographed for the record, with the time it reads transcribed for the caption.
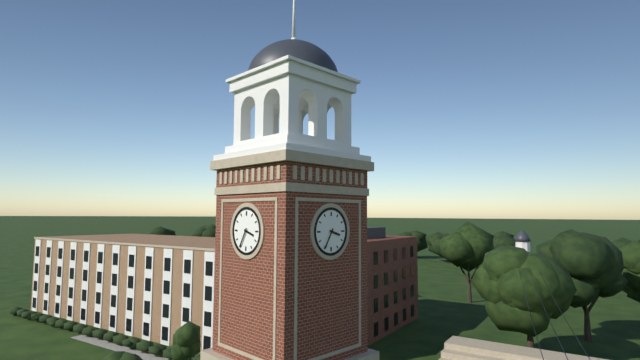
3:35
